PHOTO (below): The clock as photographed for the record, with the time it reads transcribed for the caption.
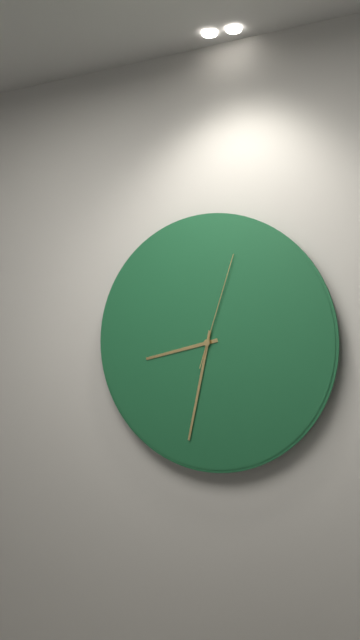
8:32:03
